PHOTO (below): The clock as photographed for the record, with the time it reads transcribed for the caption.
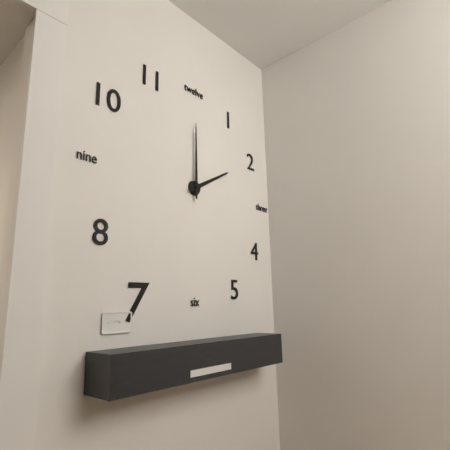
2:00
